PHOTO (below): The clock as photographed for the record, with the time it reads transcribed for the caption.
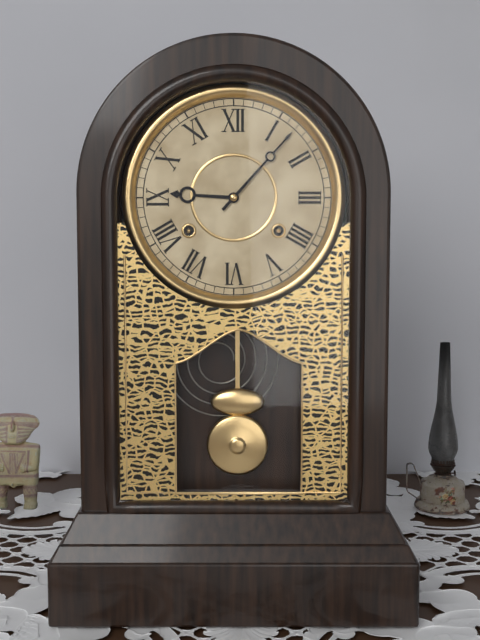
9:07
